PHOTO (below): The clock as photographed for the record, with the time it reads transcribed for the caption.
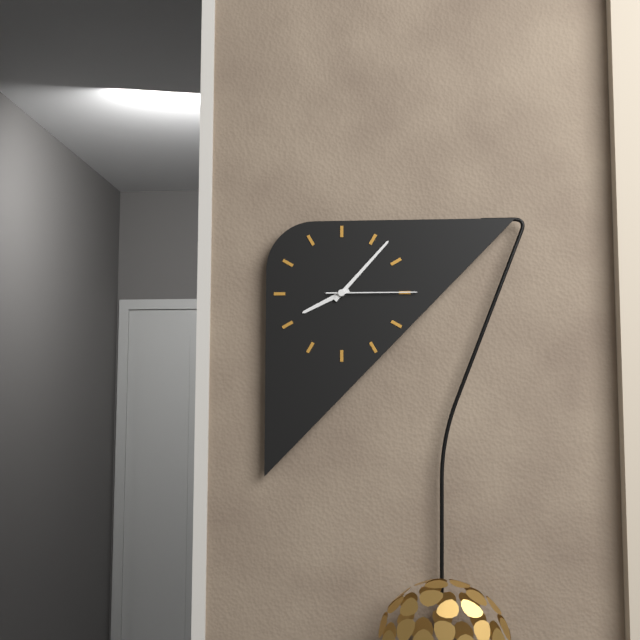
8:07:15
